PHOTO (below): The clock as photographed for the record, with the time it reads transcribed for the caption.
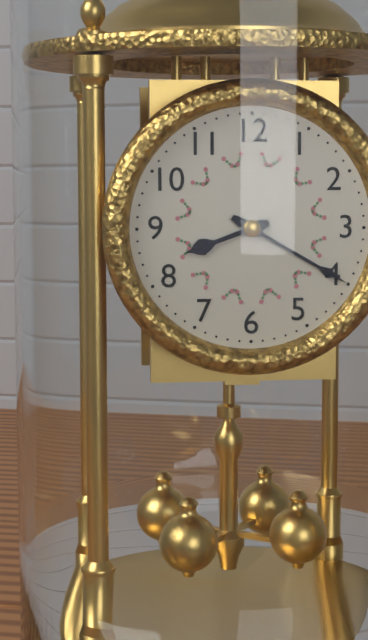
8:20
